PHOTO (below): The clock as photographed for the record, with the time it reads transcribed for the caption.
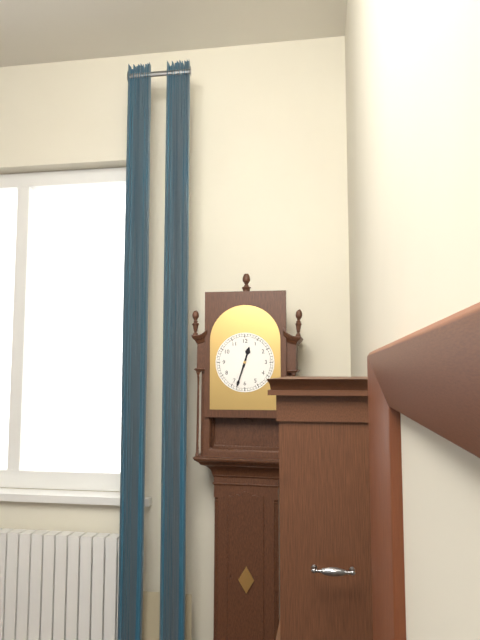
12:33
